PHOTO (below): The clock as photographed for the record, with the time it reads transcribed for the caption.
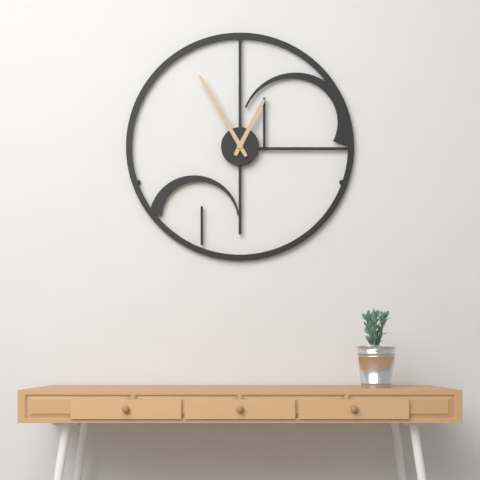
12:55
